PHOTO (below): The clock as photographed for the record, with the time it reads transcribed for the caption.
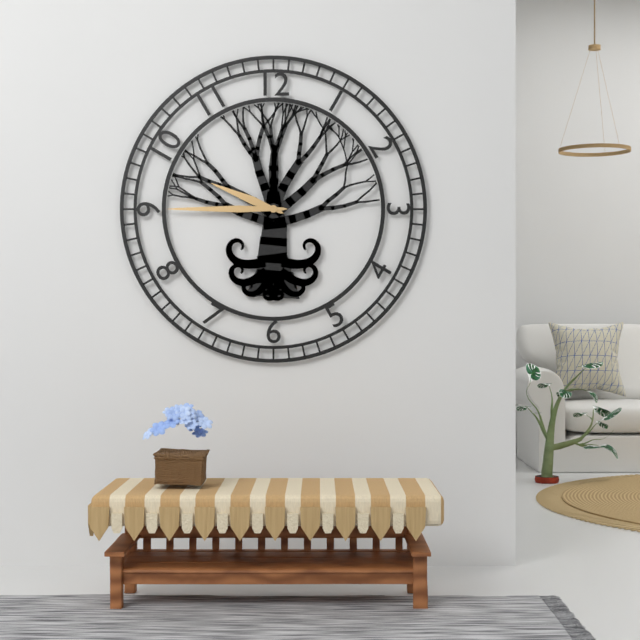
9:45
